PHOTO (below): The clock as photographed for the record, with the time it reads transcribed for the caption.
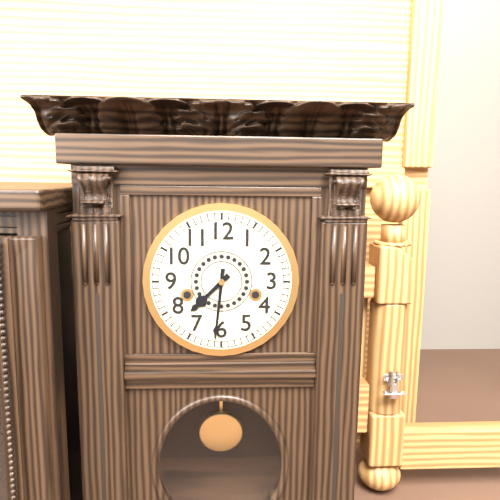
7:31
